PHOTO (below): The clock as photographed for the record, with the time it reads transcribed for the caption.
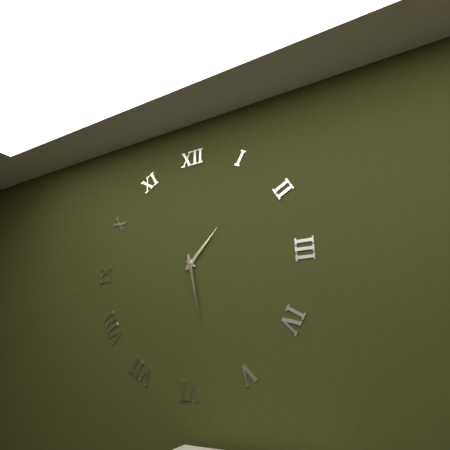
1:28
